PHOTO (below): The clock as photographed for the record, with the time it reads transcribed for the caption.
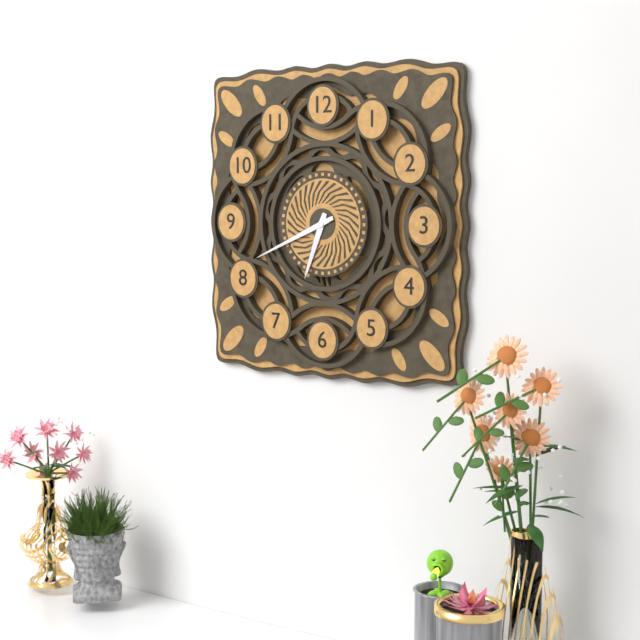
6:41
